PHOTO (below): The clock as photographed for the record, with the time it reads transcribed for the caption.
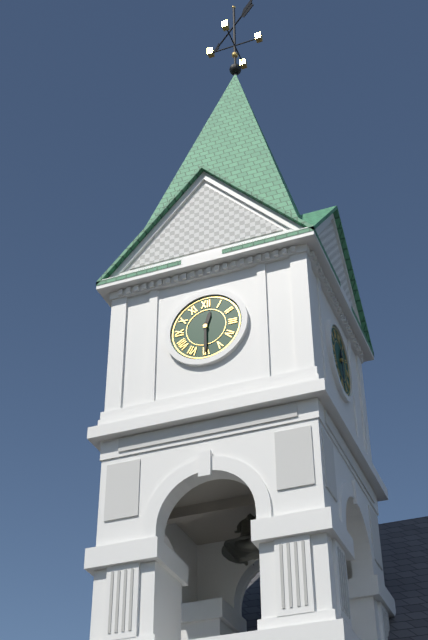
12:30
